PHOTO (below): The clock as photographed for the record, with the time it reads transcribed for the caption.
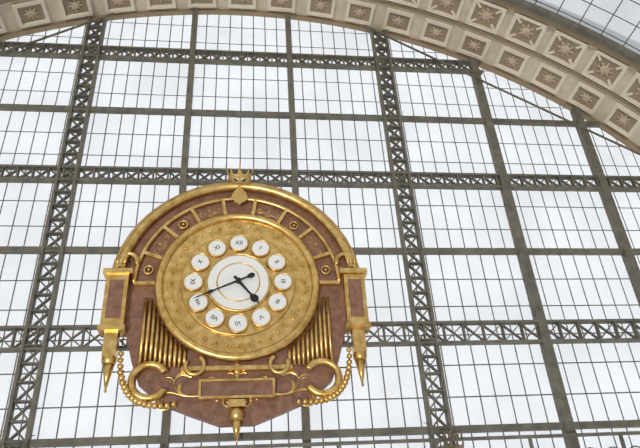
4:41
